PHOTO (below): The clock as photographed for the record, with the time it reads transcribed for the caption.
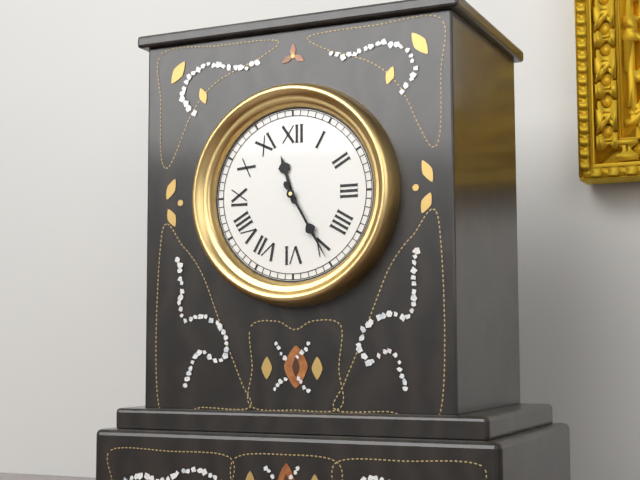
11:25
